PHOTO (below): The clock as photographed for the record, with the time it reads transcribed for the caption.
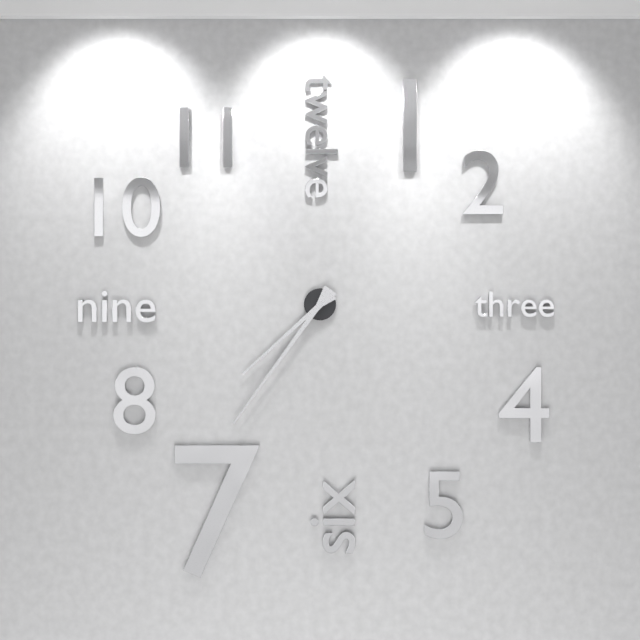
7:36
